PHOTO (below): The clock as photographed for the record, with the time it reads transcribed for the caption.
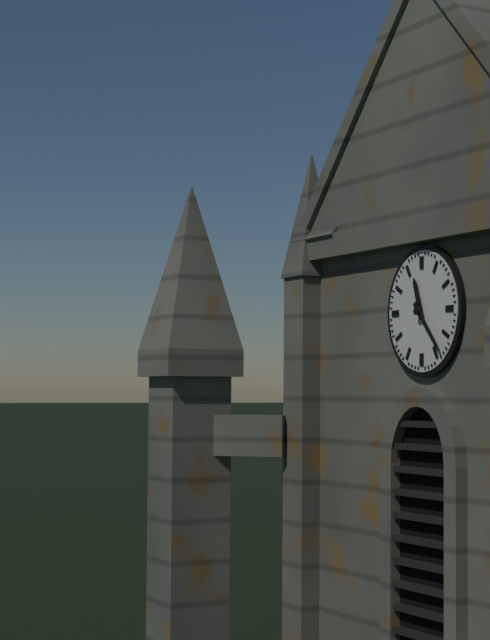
11:23
